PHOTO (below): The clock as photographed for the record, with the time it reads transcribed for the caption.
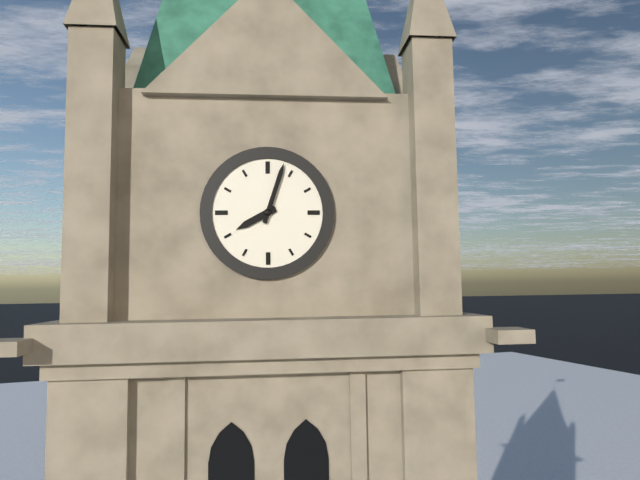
8:03
